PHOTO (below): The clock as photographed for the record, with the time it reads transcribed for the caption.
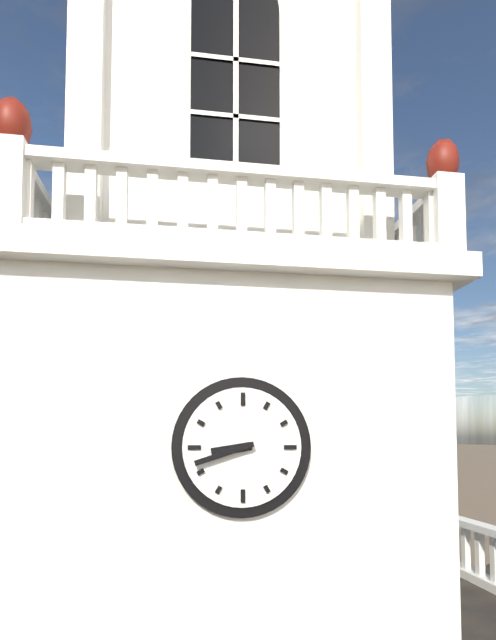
8:42
